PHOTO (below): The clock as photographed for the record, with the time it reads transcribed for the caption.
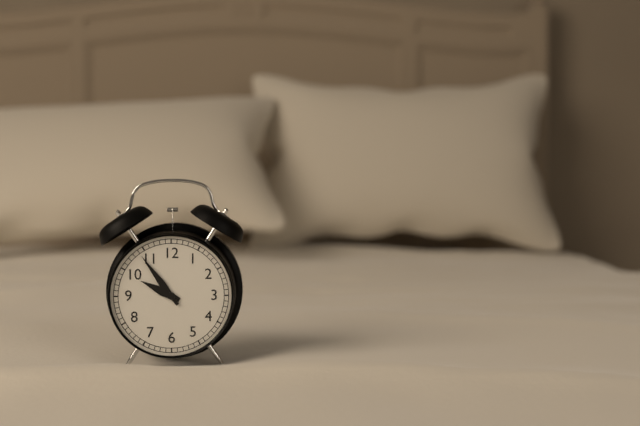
9:54
